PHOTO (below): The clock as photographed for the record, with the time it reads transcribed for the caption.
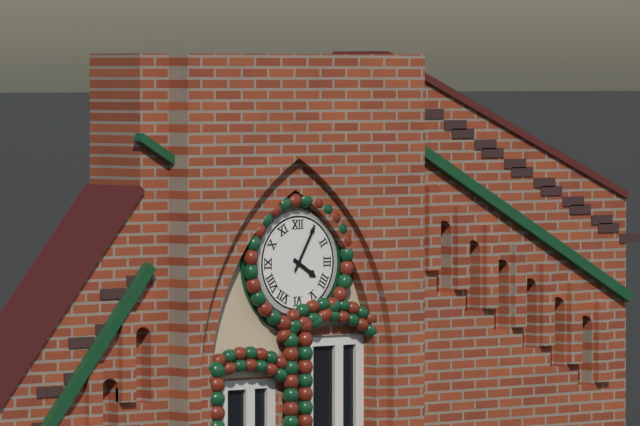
4:05
